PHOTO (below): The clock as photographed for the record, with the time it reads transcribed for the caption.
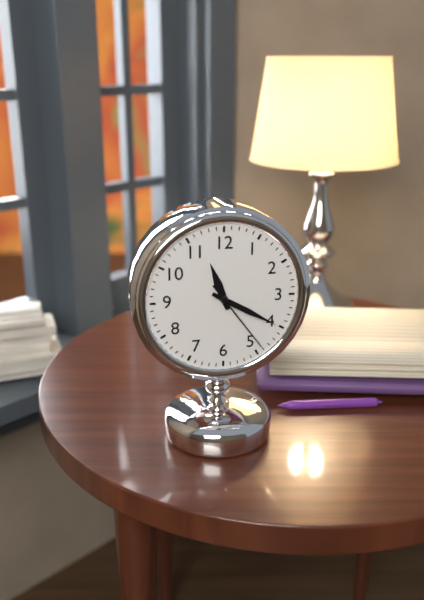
11:20:24
